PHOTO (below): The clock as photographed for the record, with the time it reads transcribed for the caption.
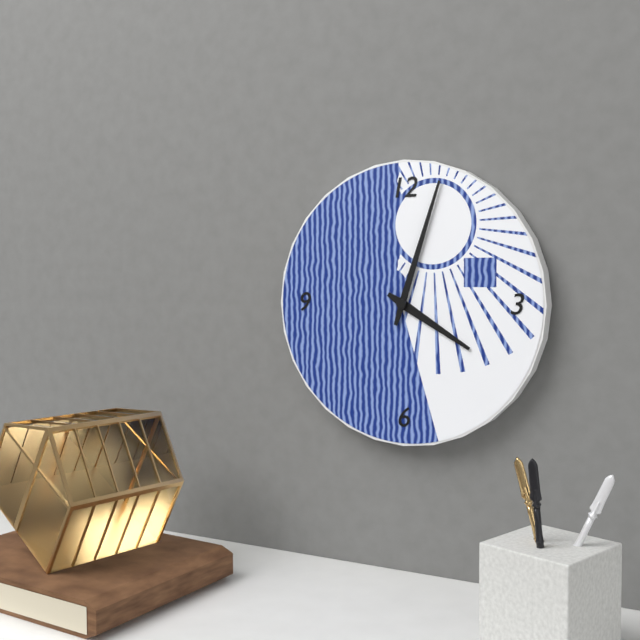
4:03
